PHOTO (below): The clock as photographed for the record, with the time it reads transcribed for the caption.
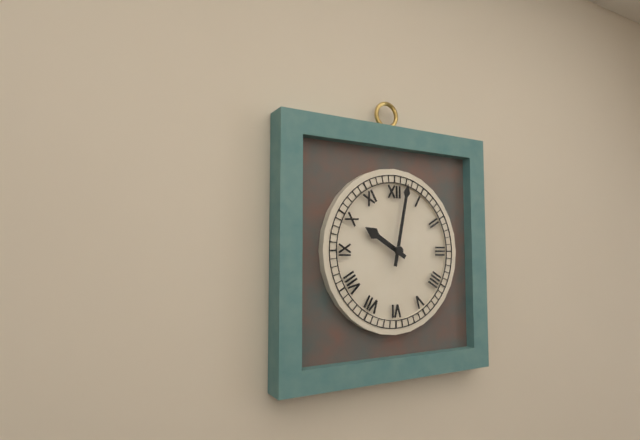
10:02
